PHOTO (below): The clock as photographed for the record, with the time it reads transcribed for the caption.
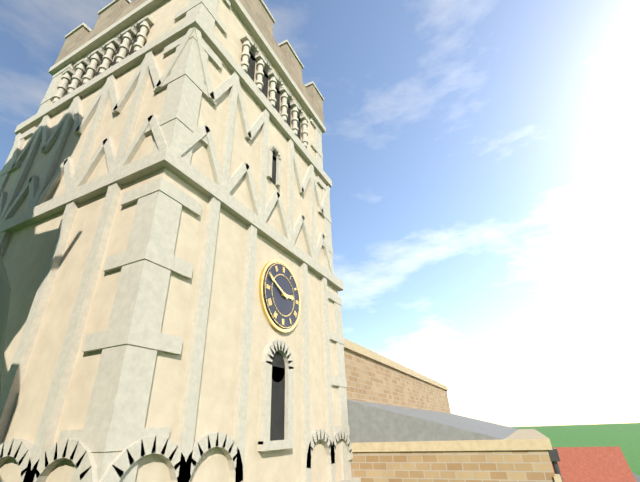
2:49
